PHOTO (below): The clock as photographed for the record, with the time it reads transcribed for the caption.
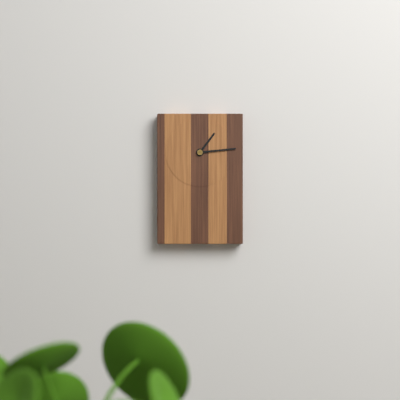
1:14
